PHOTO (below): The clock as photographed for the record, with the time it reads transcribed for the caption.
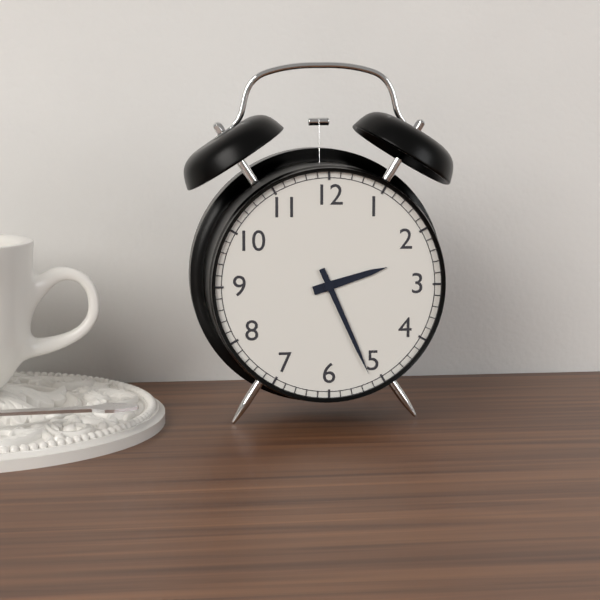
2:26
